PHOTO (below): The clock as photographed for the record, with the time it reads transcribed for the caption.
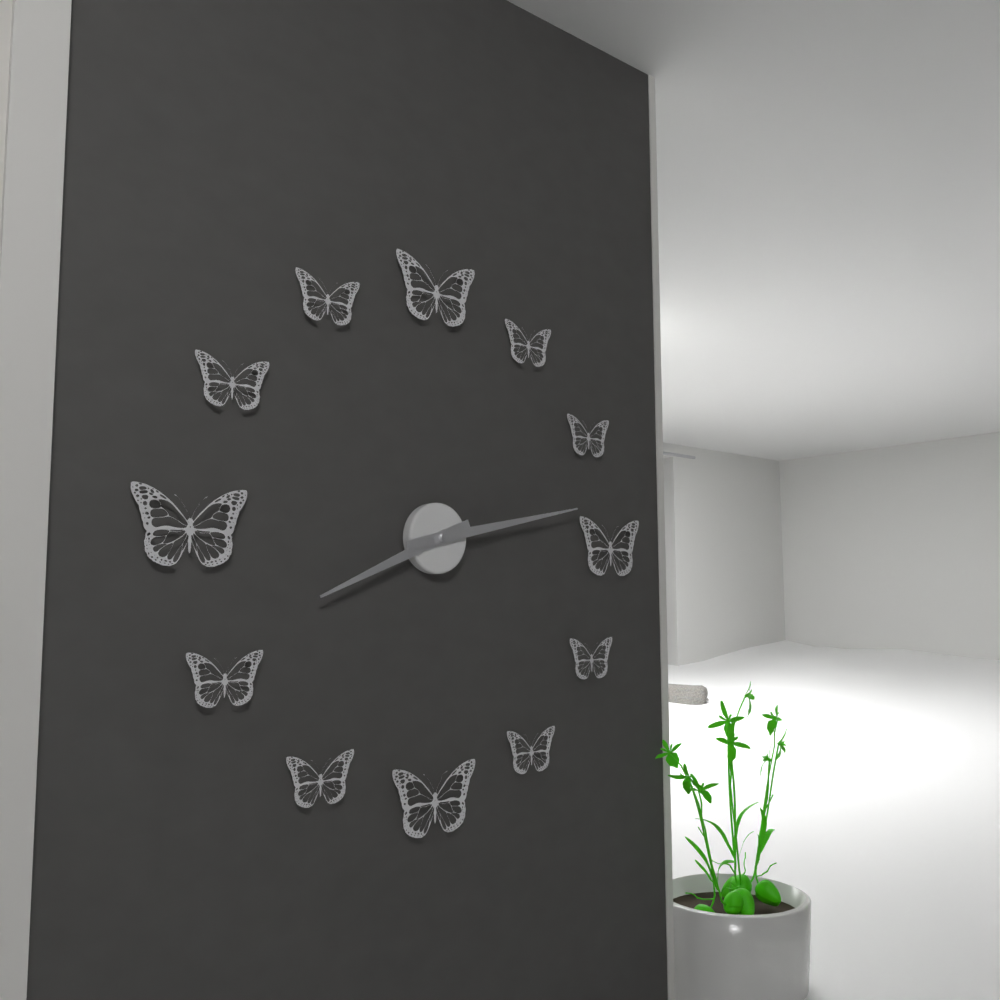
8:13
